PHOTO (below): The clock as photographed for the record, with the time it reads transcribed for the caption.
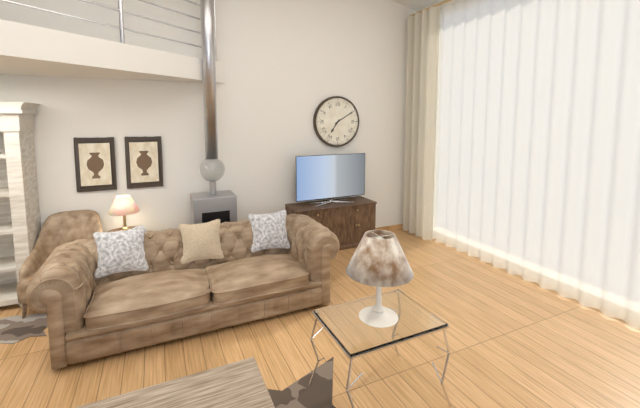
7:10
